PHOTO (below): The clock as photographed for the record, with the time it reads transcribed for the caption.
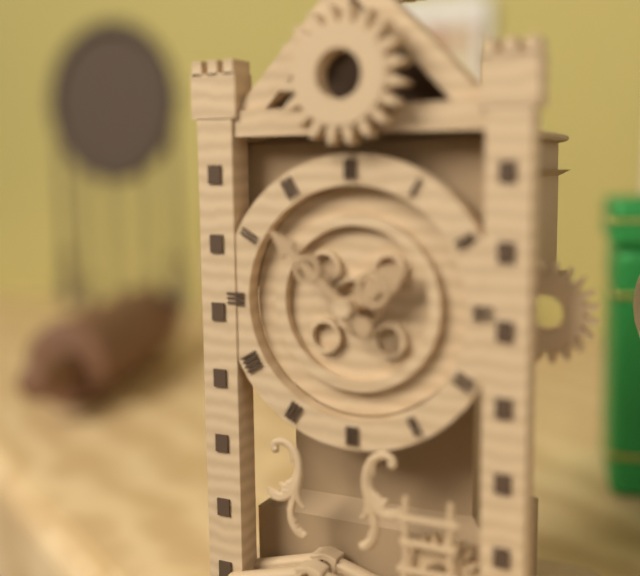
1:52
